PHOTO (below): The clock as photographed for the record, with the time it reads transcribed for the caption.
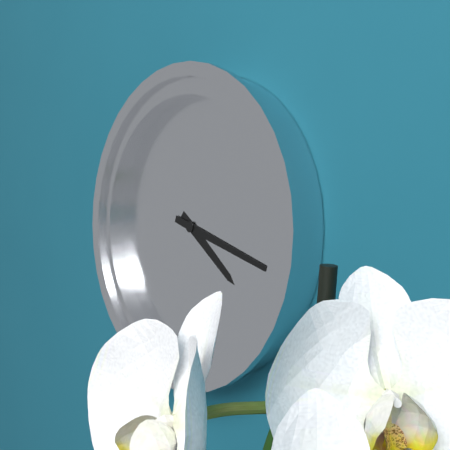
4:18
